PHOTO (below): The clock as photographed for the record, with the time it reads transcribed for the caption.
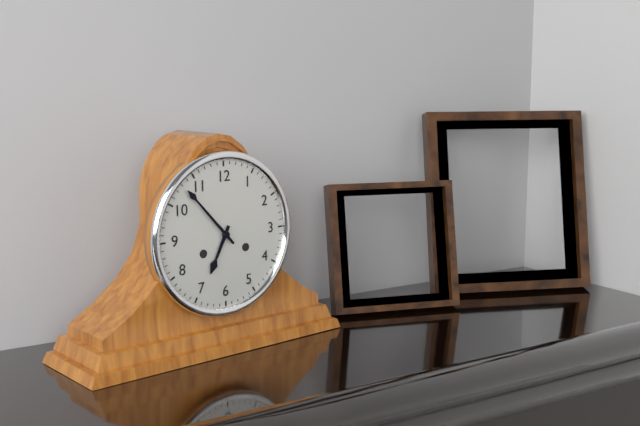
6:53
